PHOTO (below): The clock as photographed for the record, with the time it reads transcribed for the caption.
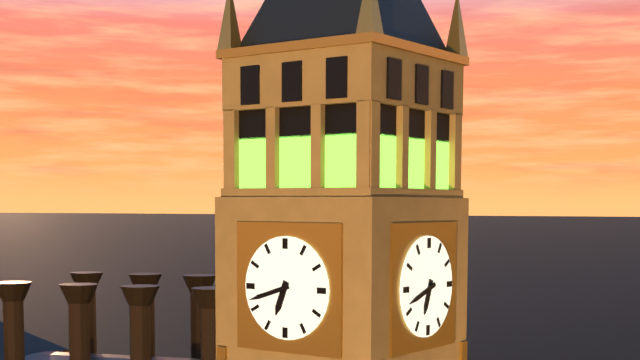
6:42
